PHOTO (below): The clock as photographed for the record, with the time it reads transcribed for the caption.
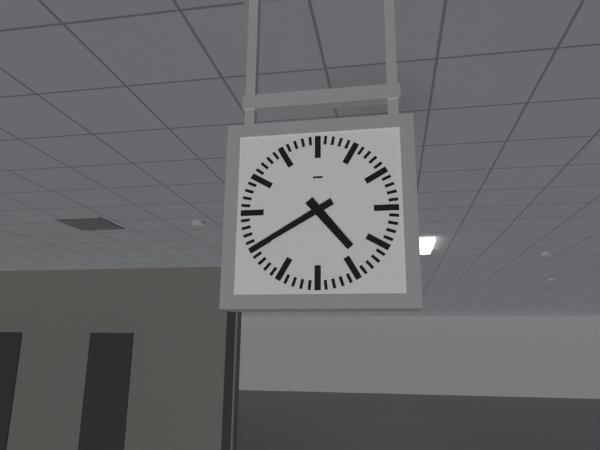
4:40
